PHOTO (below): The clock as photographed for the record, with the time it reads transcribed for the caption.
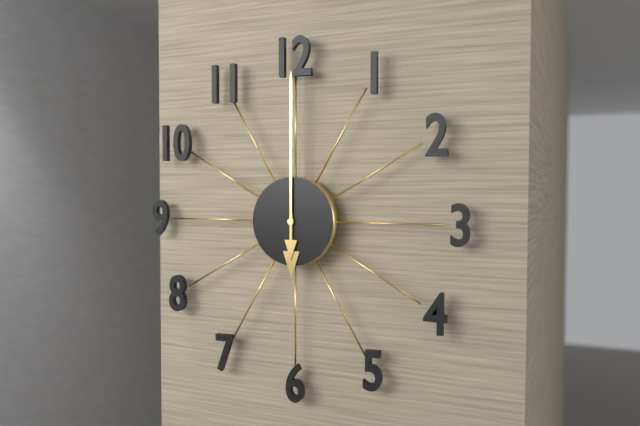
6:00
